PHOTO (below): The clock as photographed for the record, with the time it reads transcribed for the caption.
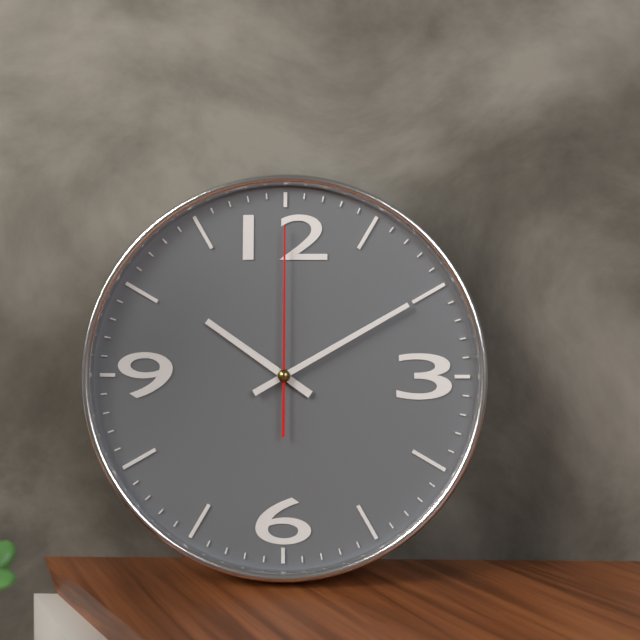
10:10:00
